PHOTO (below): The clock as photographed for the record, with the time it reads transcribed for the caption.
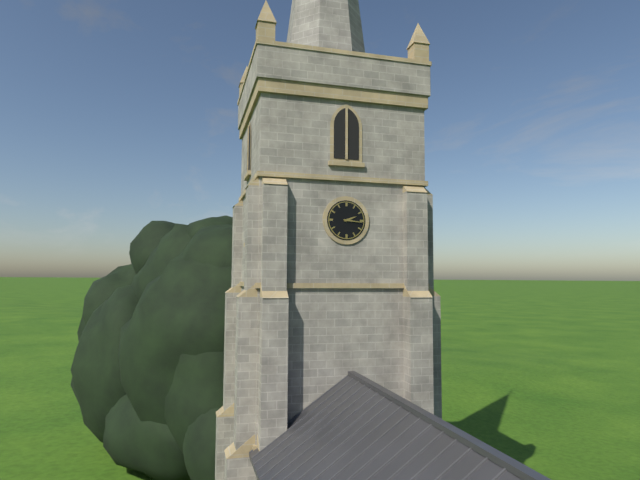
2:16
